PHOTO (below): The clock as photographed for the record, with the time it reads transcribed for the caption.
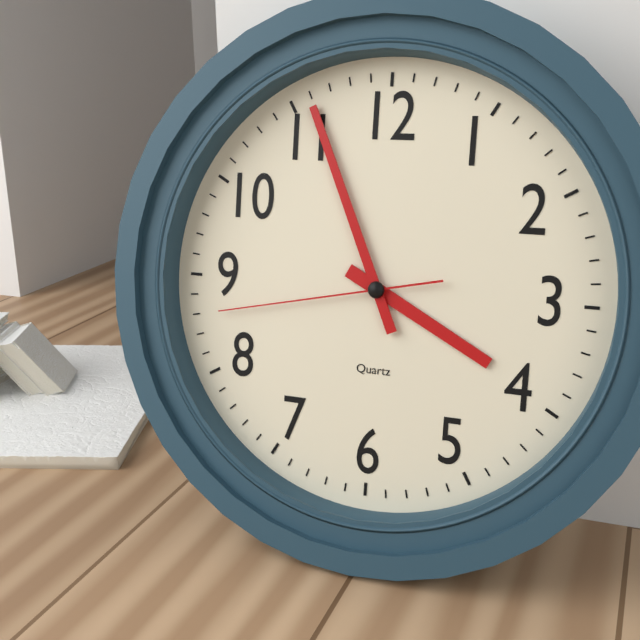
3:56:43
